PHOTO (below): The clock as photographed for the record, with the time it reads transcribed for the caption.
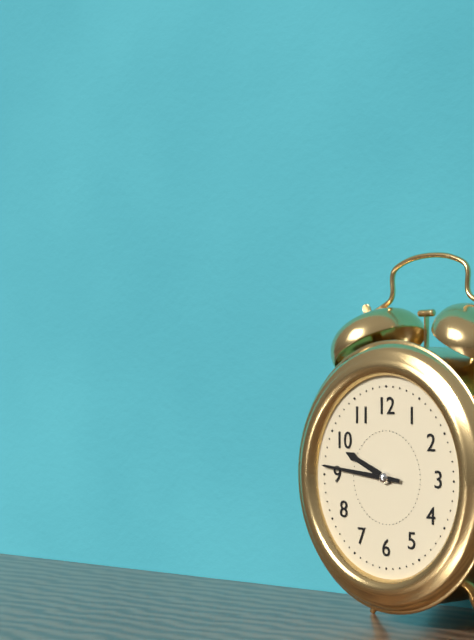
9:46
